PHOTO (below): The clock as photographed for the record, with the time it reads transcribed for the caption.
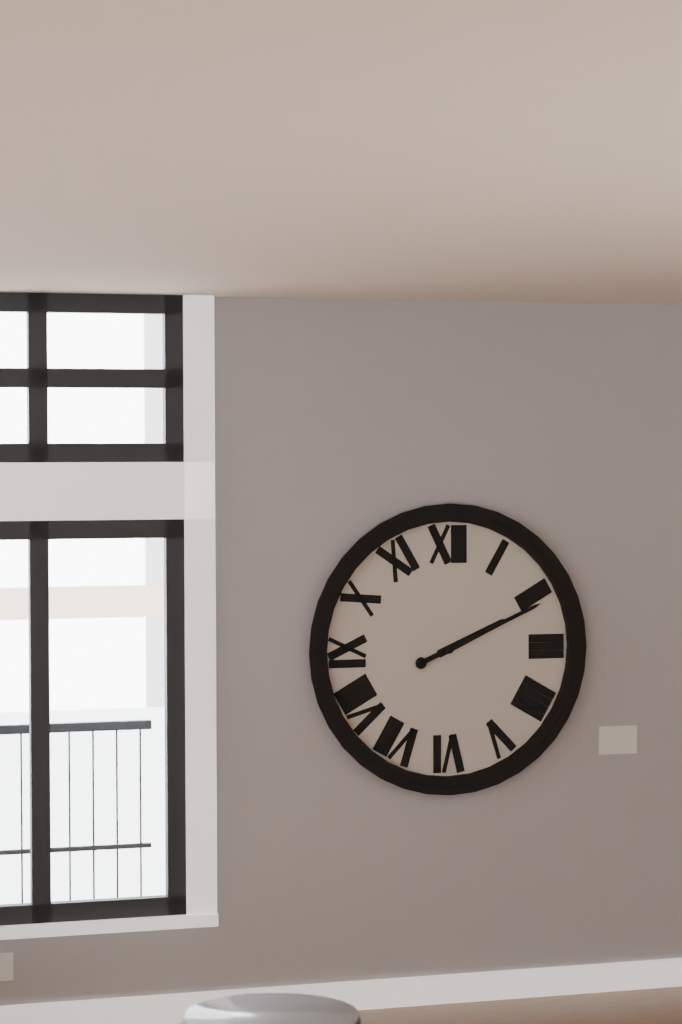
2:11
